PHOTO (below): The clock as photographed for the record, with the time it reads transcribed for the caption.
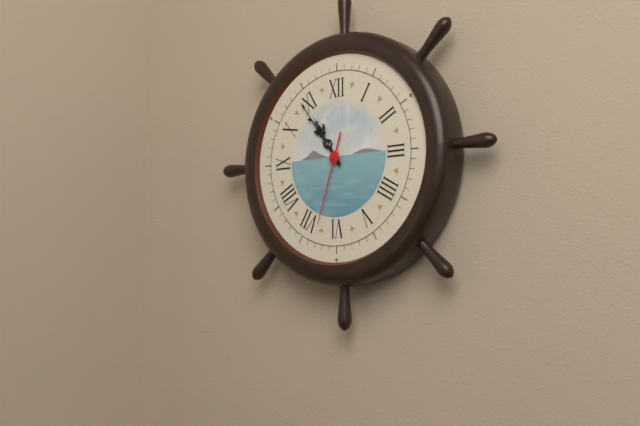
10:54:33
